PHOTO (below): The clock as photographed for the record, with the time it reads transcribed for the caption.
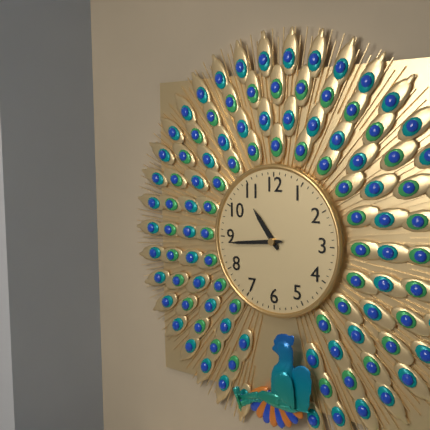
10:44
